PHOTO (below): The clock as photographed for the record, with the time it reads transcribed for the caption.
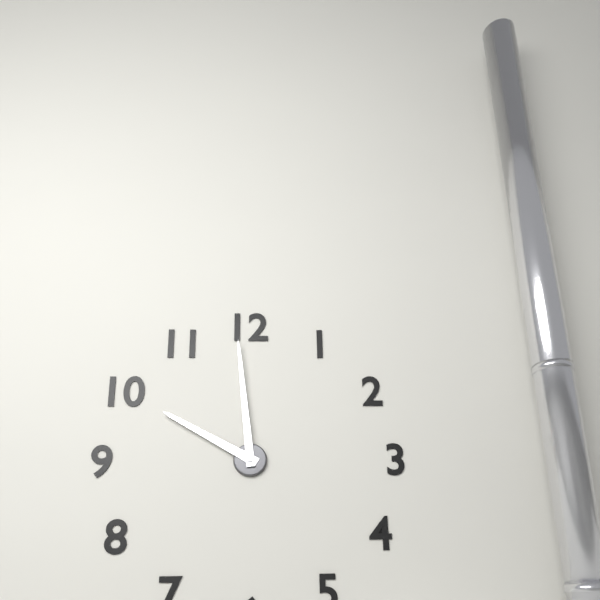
9:59
